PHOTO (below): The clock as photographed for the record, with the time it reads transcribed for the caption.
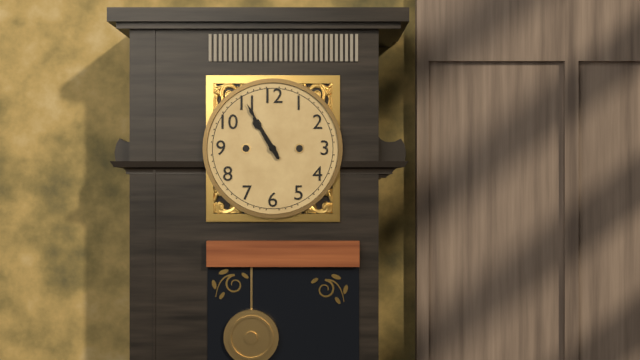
10:55
